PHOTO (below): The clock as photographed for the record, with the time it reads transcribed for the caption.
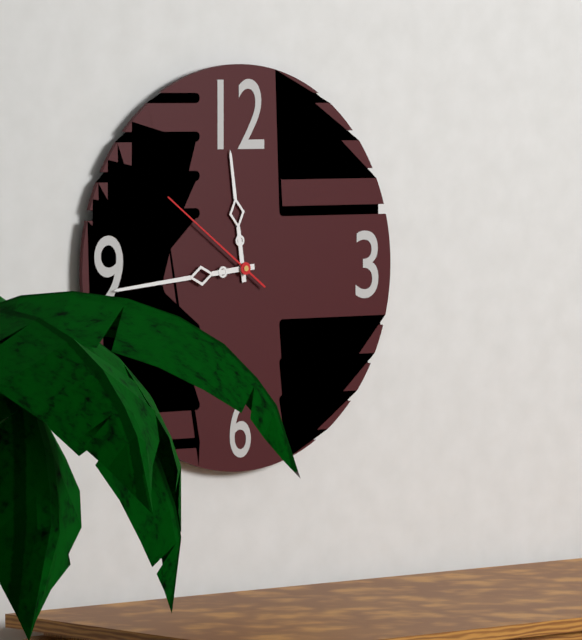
11:44:51
